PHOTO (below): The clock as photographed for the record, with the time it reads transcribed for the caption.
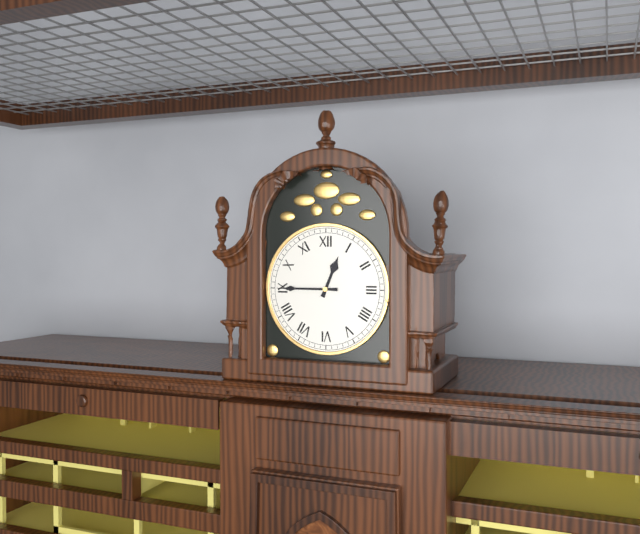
12:45
